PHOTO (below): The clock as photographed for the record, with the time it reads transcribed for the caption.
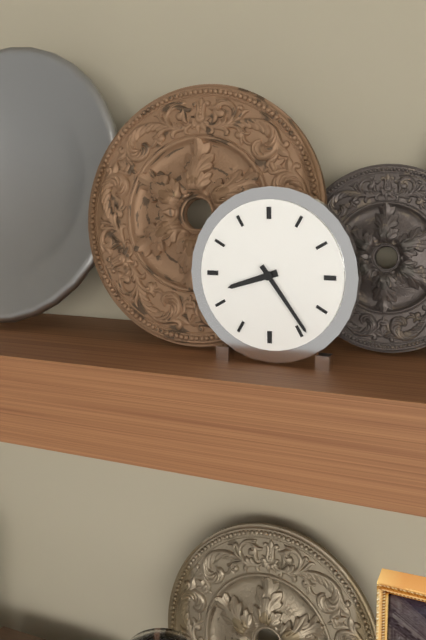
8:24
